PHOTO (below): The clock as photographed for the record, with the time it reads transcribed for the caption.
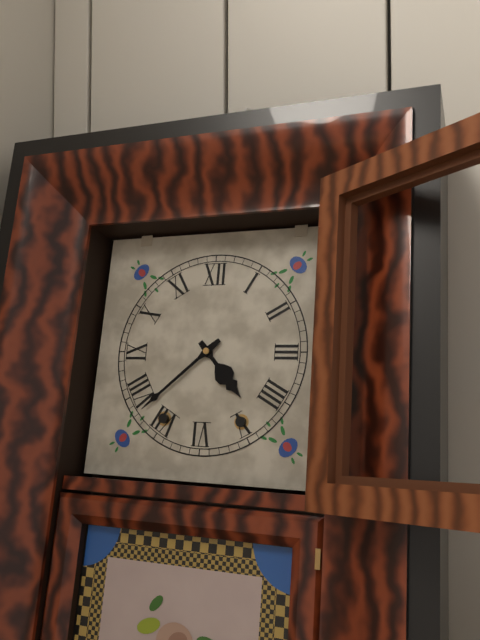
4:38
